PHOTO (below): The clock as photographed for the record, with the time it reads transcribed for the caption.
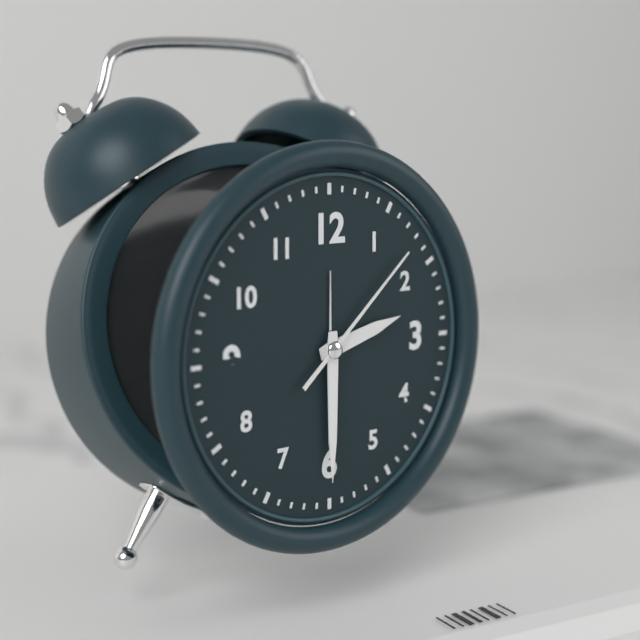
2:30:08
